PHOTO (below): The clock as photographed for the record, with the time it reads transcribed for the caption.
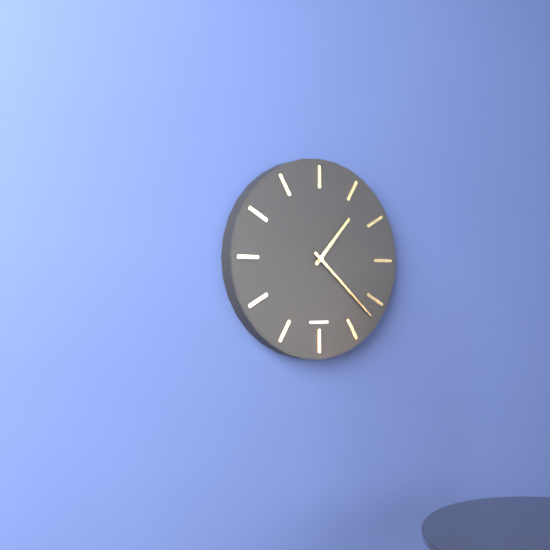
1:22
